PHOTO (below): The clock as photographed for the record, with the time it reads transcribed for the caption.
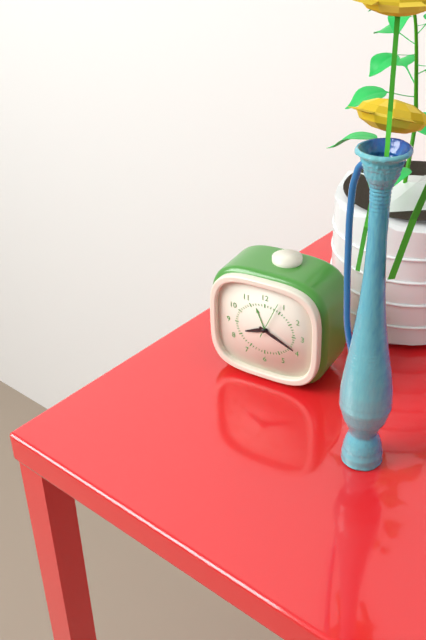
8:19
